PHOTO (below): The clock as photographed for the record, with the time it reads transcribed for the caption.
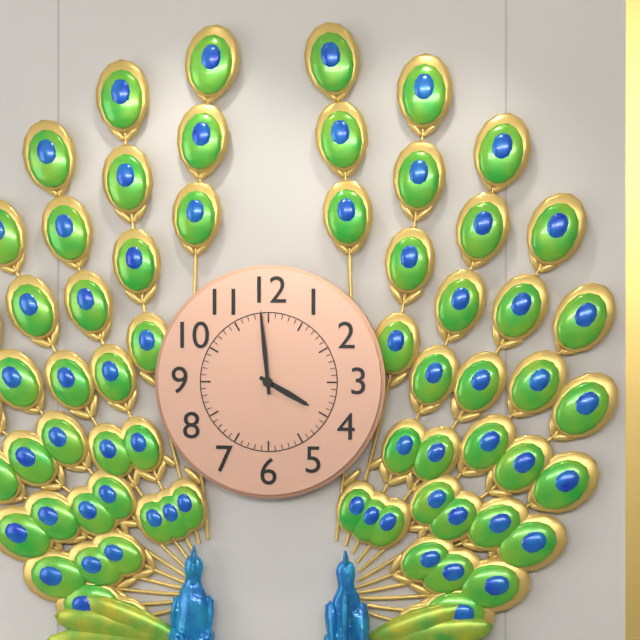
3:59
